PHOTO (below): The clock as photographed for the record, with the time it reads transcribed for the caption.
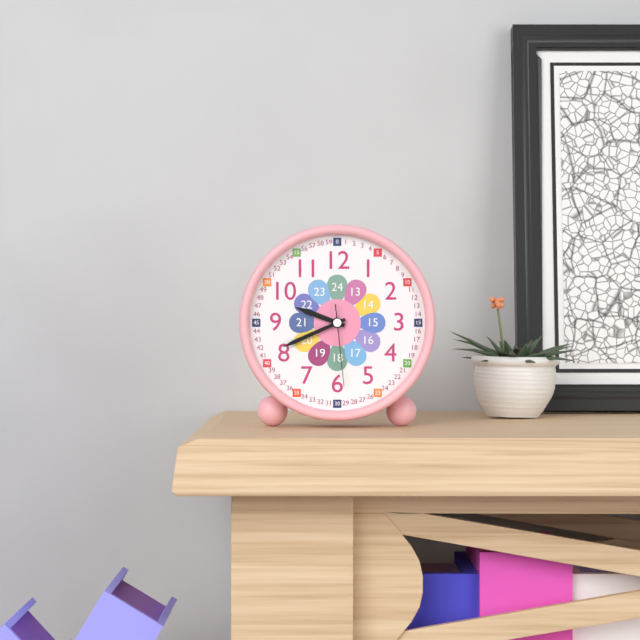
9:41:29
